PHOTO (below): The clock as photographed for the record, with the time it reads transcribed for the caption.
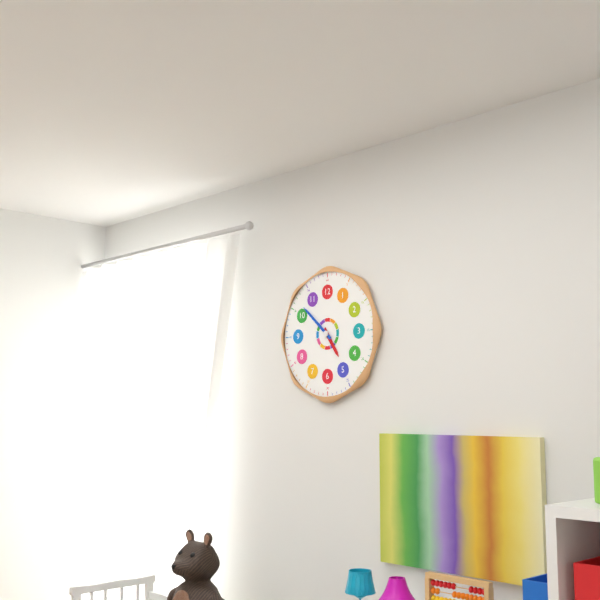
4:52
